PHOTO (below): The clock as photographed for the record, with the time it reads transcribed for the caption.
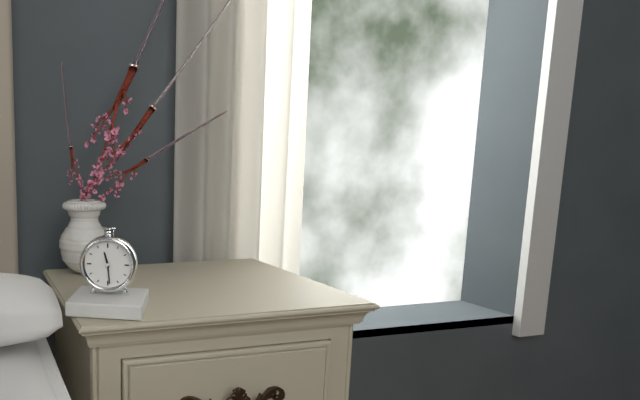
11:29
